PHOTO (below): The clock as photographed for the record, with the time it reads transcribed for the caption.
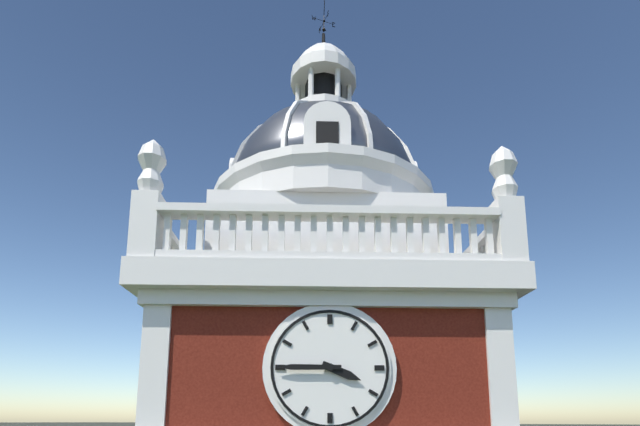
3:45
